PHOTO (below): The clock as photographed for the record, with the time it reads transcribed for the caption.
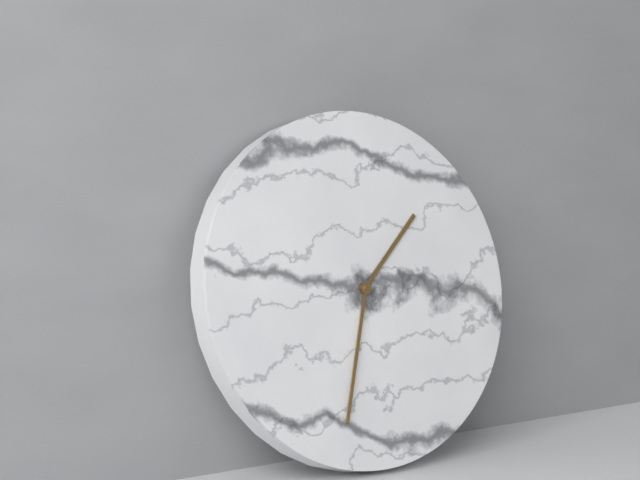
1:33
